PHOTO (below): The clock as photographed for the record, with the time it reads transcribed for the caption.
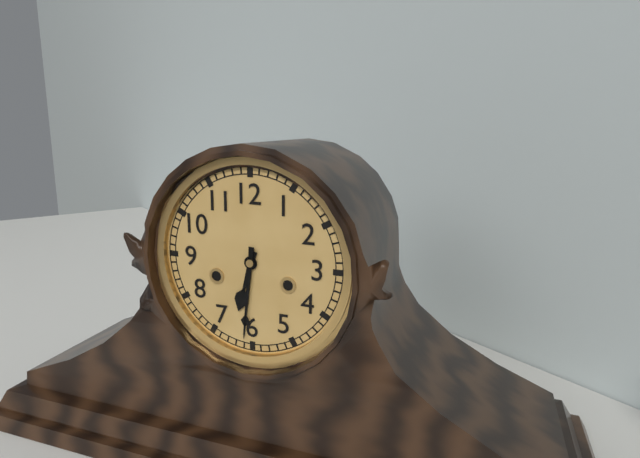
6:31
